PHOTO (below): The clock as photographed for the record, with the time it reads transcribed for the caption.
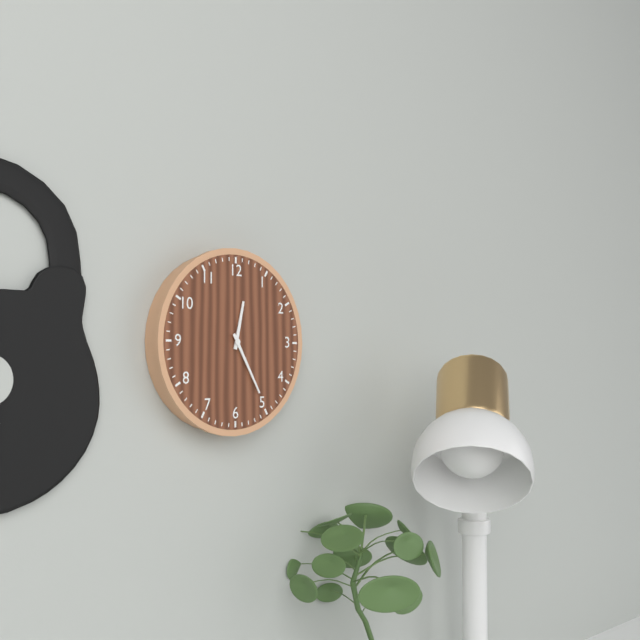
12:25
